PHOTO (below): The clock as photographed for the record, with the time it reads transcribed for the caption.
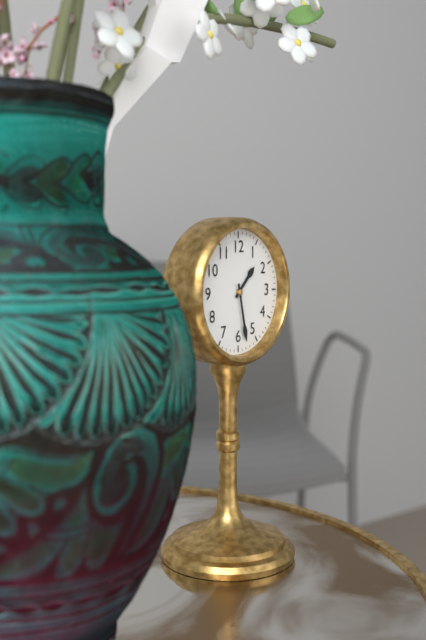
1:28
